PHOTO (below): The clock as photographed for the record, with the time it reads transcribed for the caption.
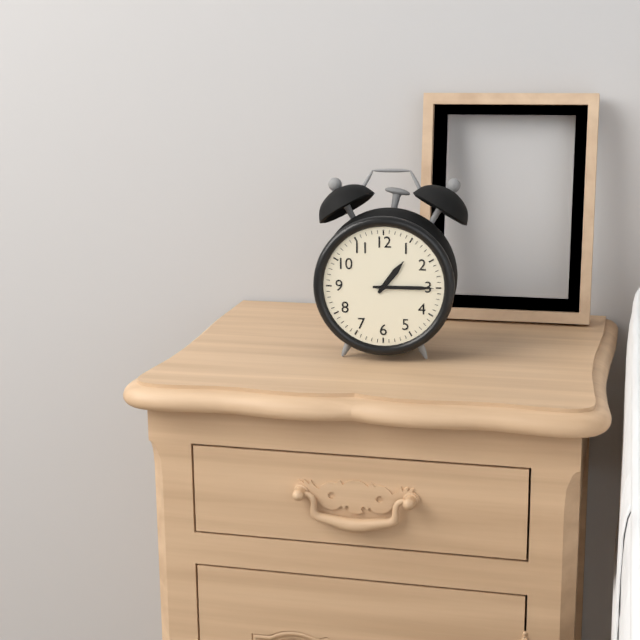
1:15
